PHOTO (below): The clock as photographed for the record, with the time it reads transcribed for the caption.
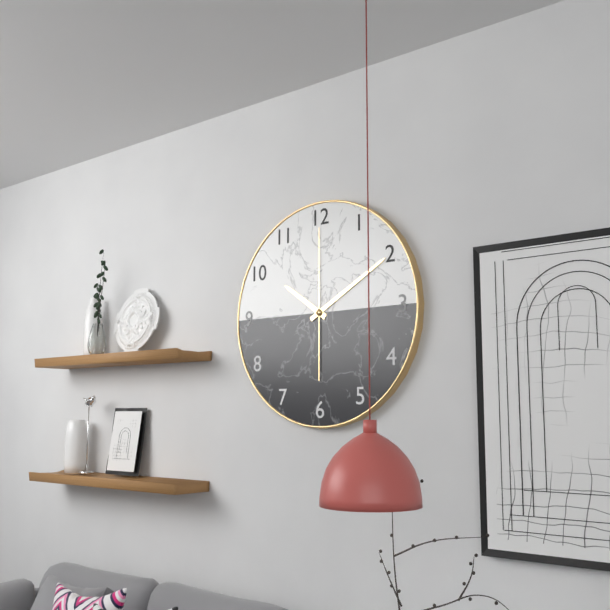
10:10:00
